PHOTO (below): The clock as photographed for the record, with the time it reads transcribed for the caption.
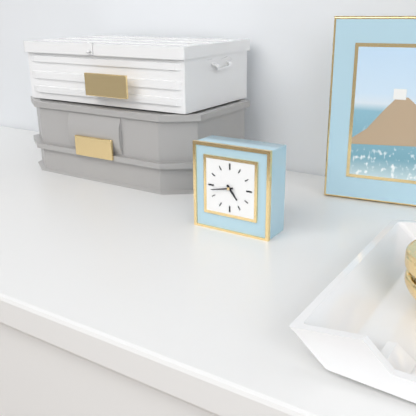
4:43
